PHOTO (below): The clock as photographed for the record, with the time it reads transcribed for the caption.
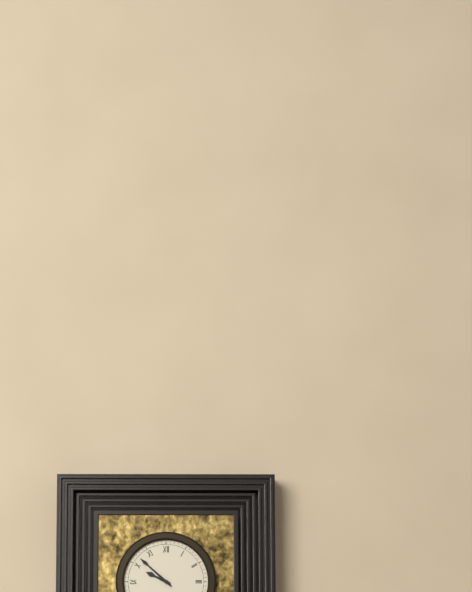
9:52
